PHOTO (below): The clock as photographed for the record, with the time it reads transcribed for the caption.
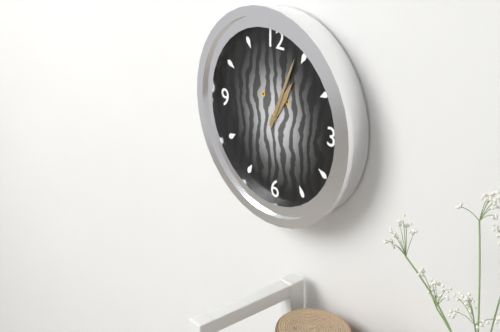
1:04
